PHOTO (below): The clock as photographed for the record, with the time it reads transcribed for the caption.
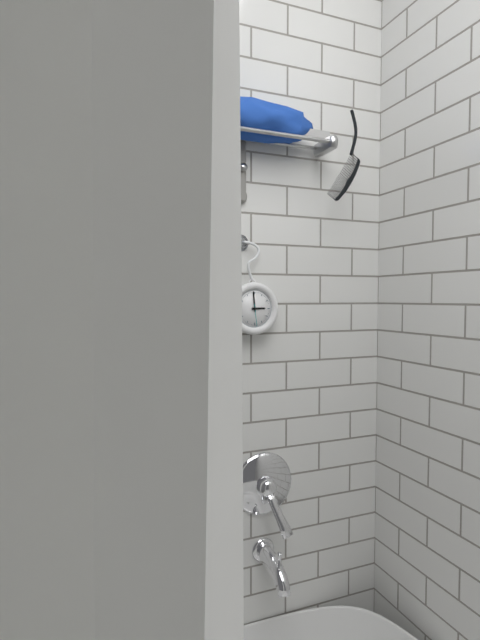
2:59
